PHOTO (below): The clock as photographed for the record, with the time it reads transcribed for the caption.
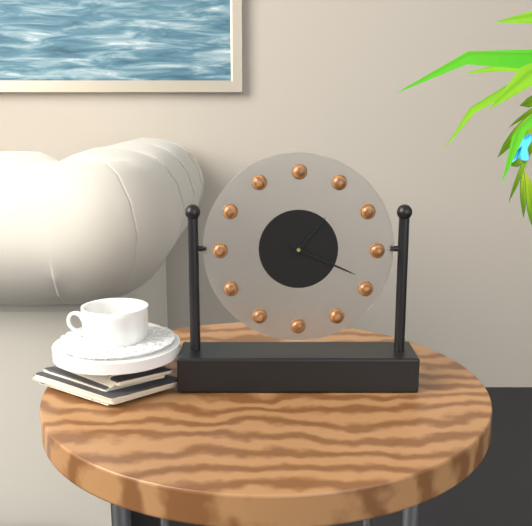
1:19
